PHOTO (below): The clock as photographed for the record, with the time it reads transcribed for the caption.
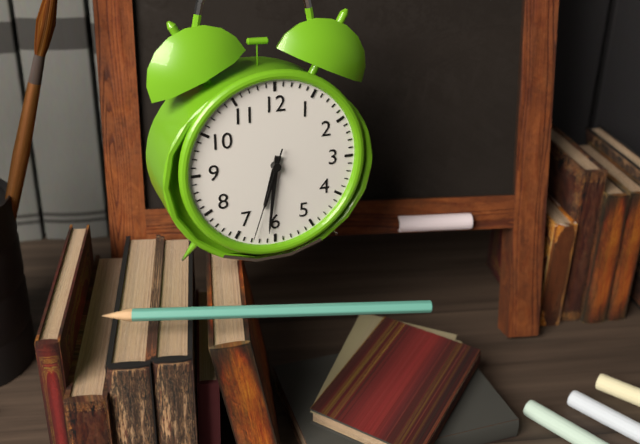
6:31:33
